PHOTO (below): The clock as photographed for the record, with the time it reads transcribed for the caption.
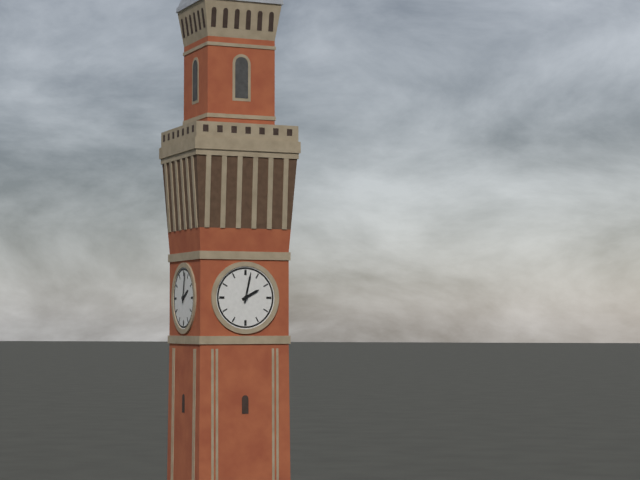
2:02
